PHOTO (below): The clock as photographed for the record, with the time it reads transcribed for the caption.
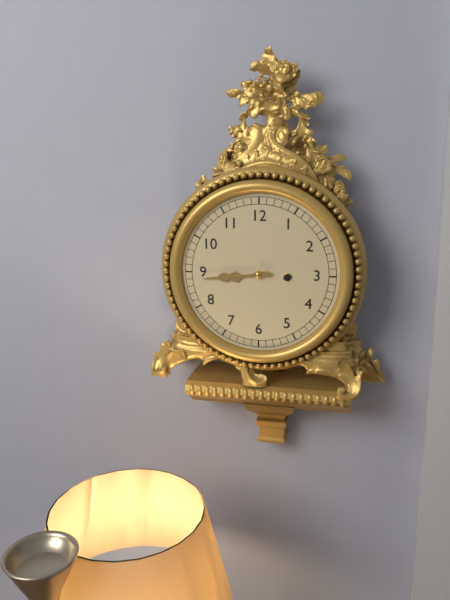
8:44
